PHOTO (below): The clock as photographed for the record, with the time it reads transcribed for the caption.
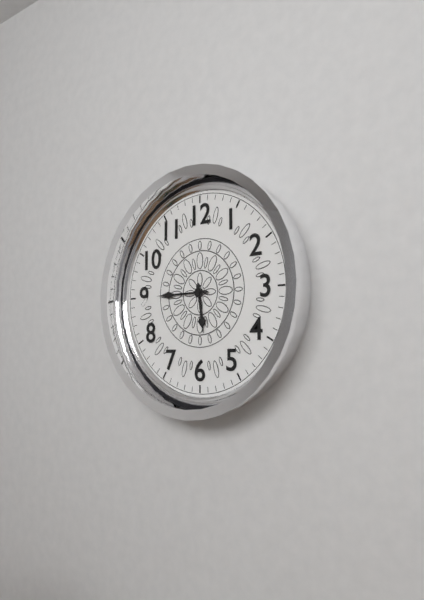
5:45
